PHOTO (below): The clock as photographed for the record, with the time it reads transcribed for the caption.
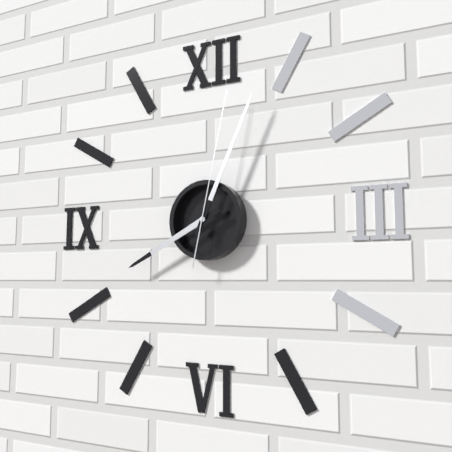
8:04:02
